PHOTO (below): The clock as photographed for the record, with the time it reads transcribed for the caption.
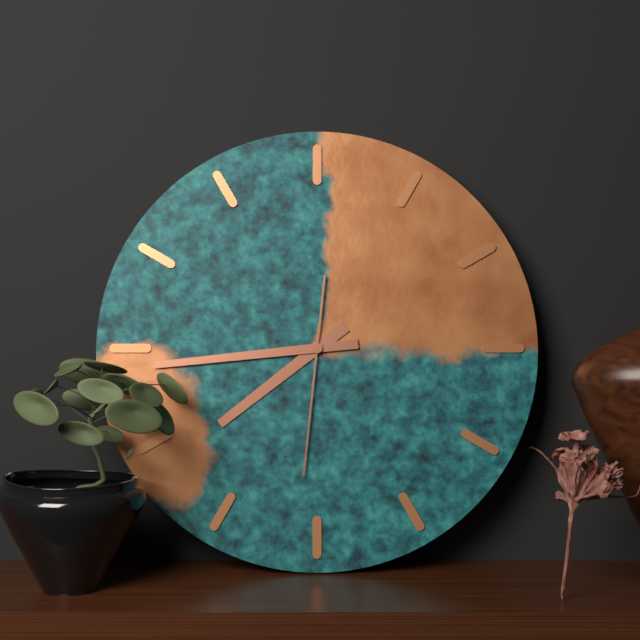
7:44:31
